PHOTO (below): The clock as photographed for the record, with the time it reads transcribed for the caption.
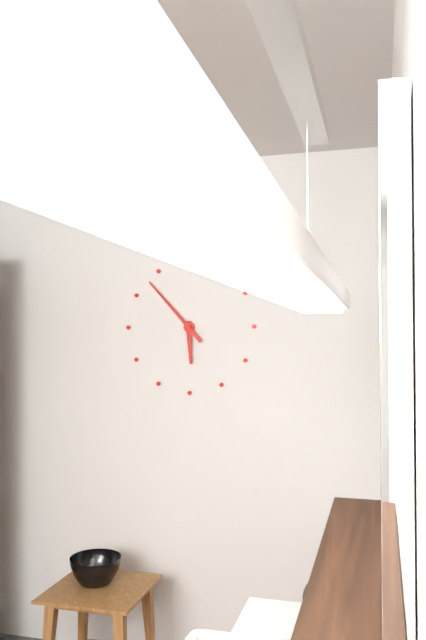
5:53
